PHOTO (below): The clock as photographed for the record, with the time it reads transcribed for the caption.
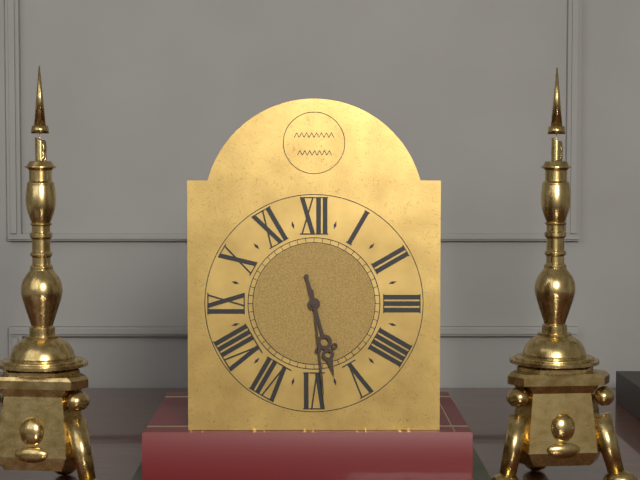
5:29
